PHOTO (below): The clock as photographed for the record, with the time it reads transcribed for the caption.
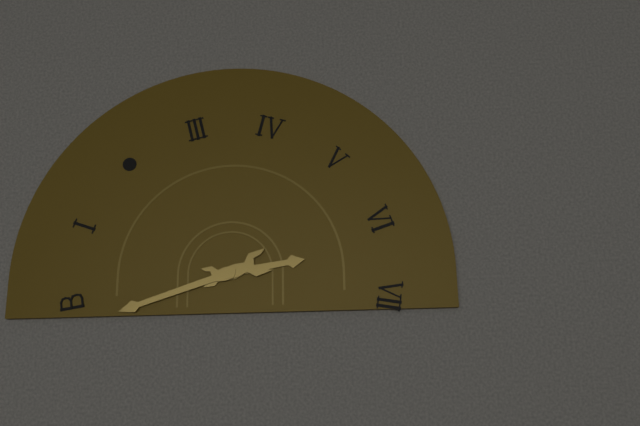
2:42
